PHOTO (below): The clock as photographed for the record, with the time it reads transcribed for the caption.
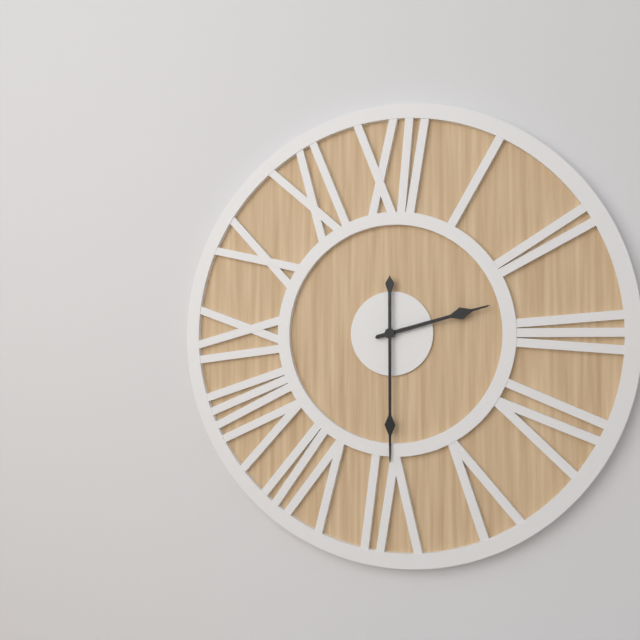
2:30
